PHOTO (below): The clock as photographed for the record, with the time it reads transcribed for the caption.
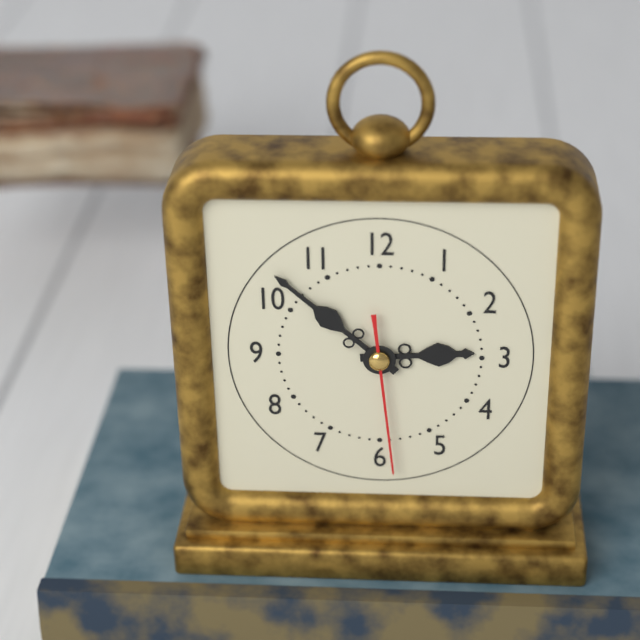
2:52:29
